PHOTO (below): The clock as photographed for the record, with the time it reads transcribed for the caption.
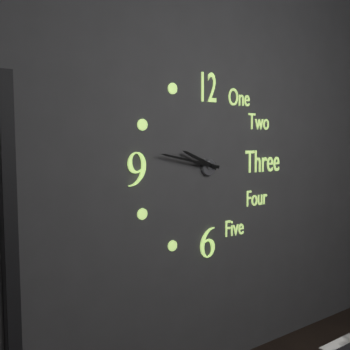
9:47
